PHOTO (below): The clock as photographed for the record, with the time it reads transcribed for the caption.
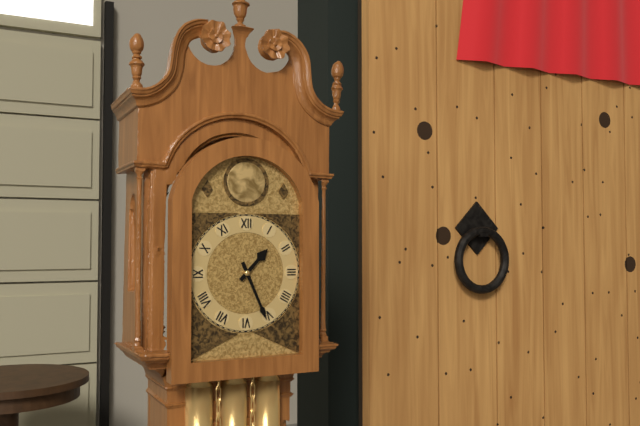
1:26
